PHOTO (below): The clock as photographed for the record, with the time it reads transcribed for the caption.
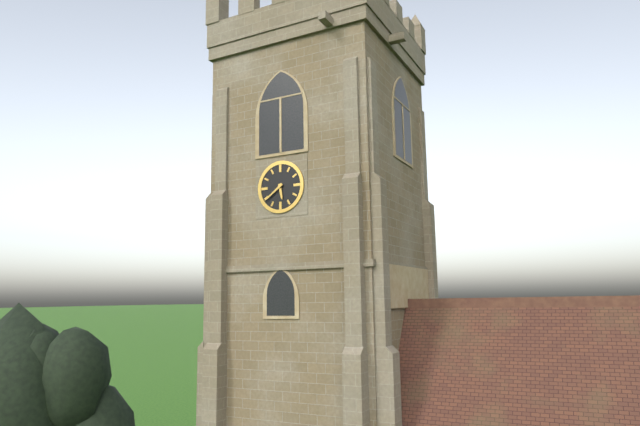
5:39
